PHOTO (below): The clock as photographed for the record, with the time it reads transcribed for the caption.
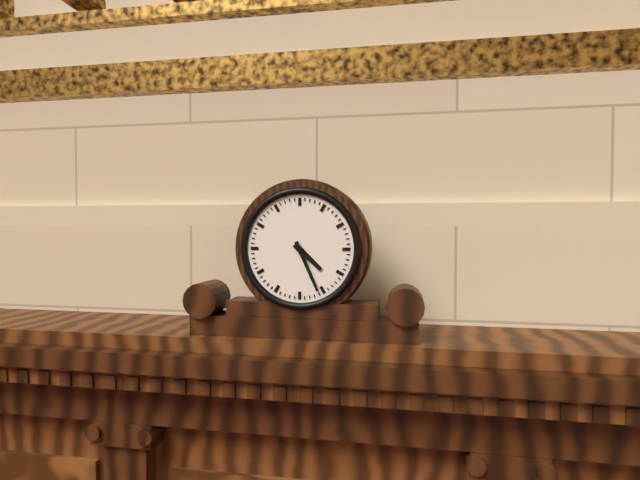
4:26
